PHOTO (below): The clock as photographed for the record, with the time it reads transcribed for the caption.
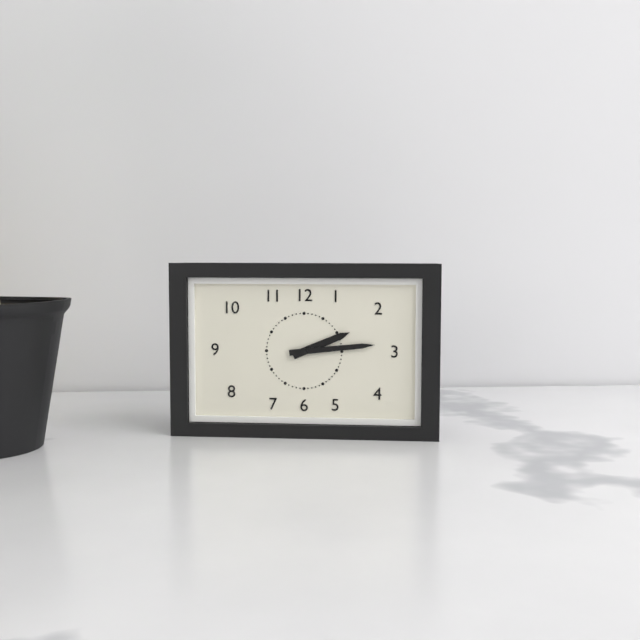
2:14
